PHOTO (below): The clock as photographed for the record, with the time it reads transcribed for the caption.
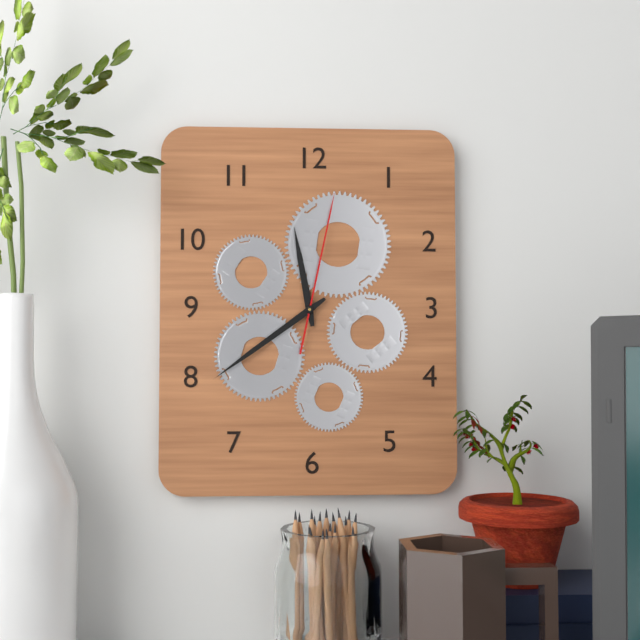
11:39:02
